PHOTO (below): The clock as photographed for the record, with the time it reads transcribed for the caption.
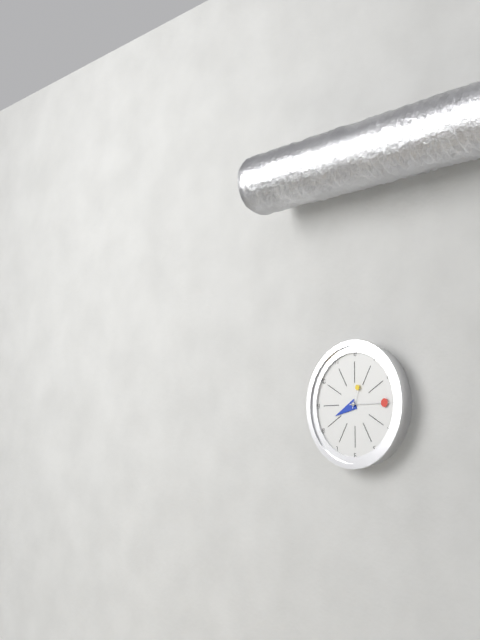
8:15
